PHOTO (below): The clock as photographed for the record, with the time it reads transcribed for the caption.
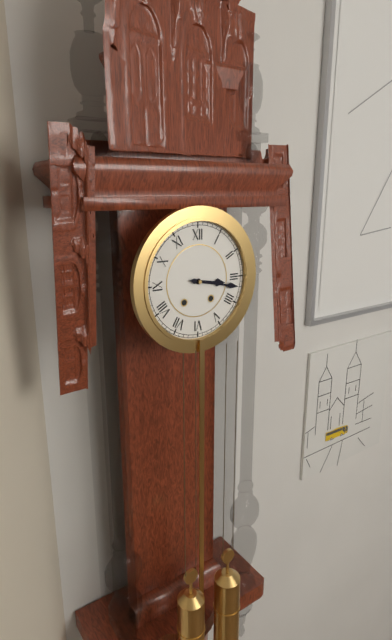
3:17
